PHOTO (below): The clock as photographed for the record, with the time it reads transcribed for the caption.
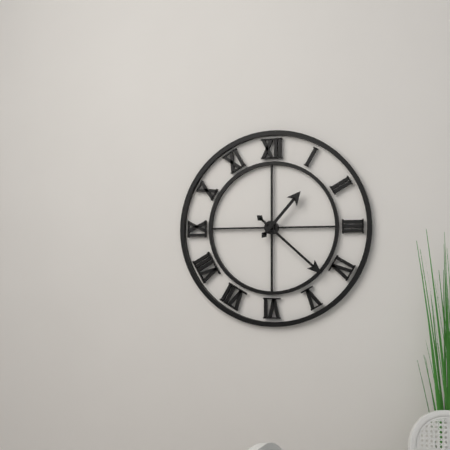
1:22
